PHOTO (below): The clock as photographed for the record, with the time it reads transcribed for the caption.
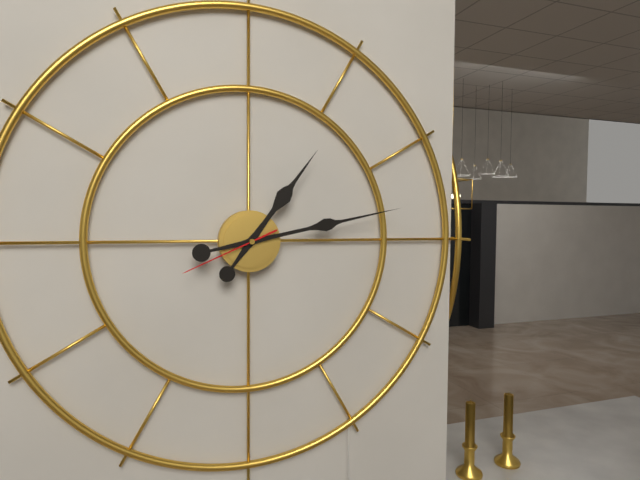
1:13:41
